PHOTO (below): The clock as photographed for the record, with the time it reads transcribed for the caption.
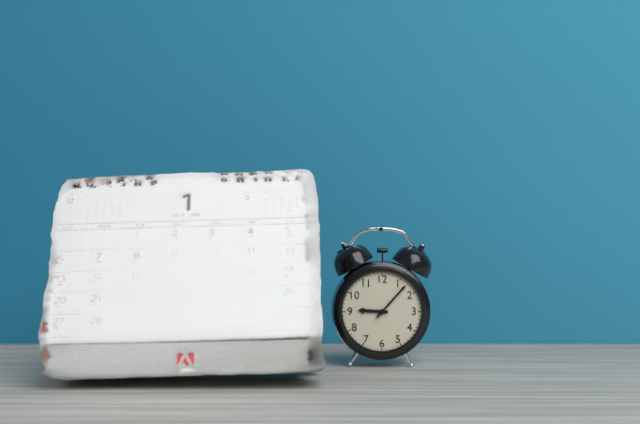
9:07
